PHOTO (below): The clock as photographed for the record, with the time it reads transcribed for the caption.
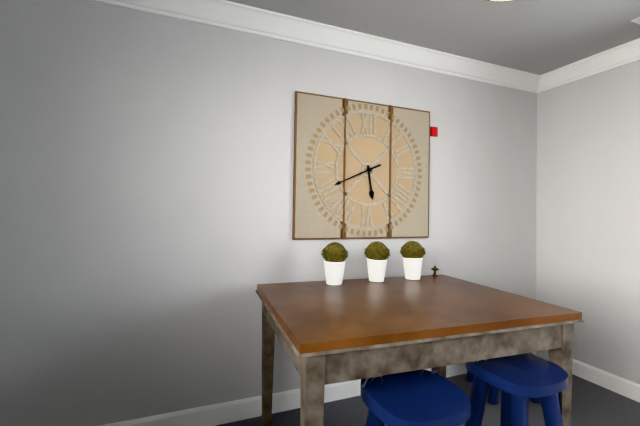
5:41
